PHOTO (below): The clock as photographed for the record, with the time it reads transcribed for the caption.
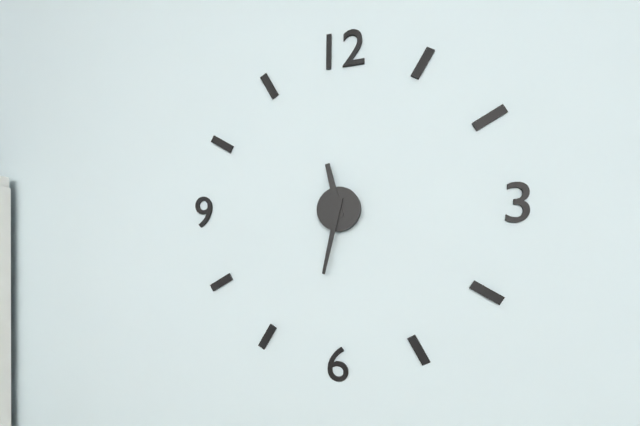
11:32
